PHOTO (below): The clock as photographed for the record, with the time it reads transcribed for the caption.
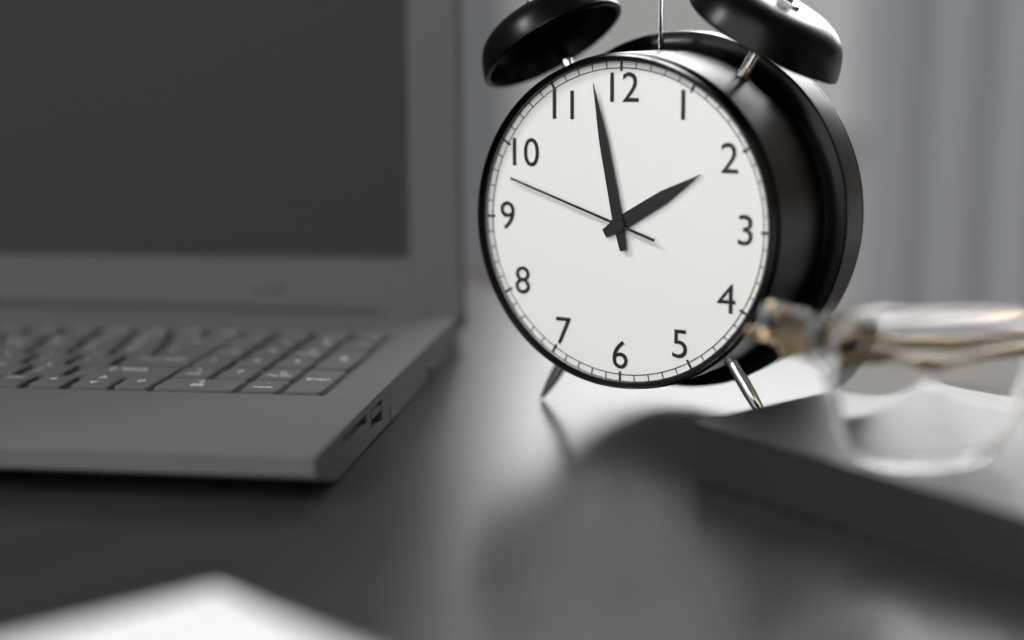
1:58:48
